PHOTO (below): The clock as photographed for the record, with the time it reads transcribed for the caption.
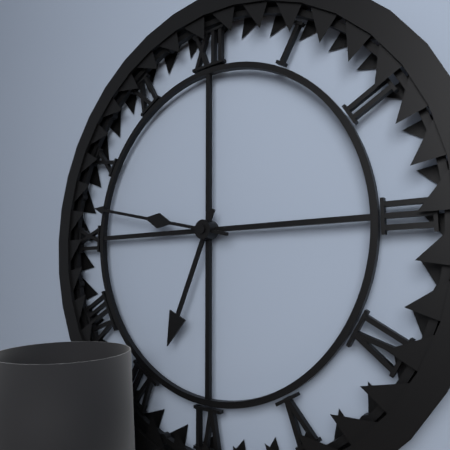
6:47
